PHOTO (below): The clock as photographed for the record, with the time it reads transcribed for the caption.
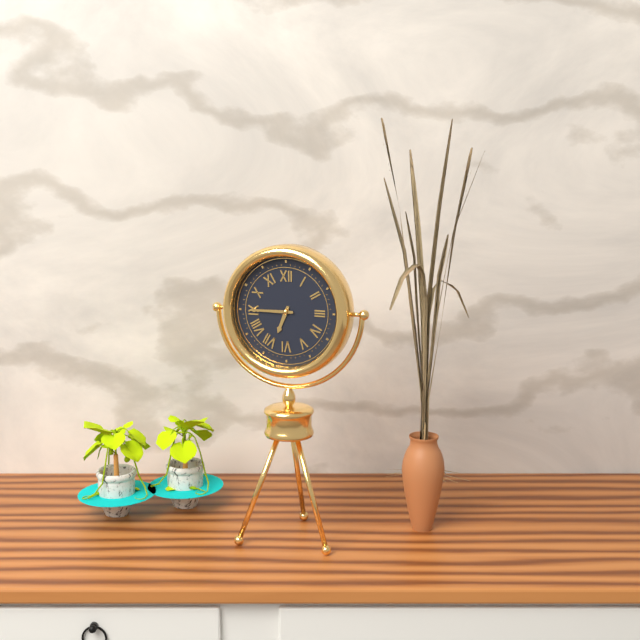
6:45
